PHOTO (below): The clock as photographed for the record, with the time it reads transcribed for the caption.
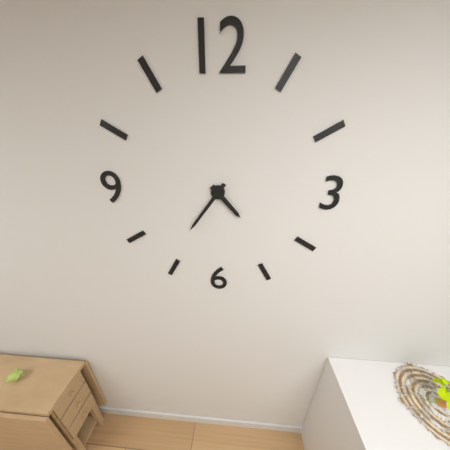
4:36
